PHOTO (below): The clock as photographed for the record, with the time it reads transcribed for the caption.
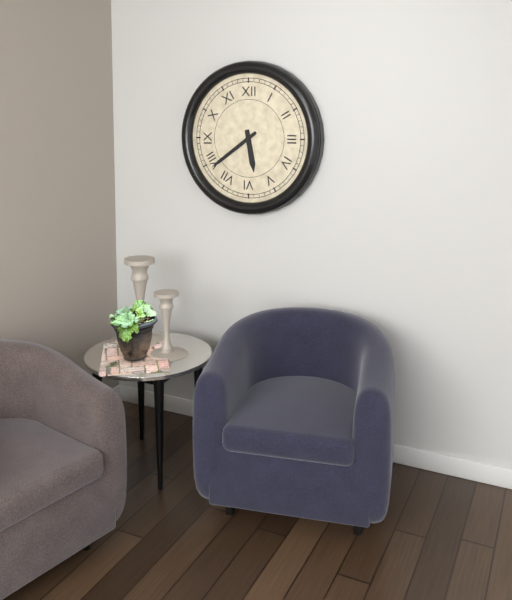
5:39
